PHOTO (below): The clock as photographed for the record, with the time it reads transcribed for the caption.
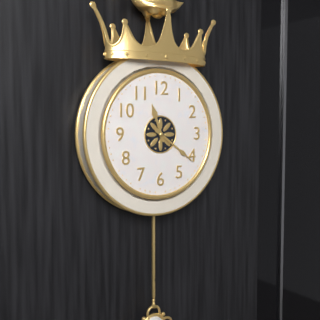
11:21
